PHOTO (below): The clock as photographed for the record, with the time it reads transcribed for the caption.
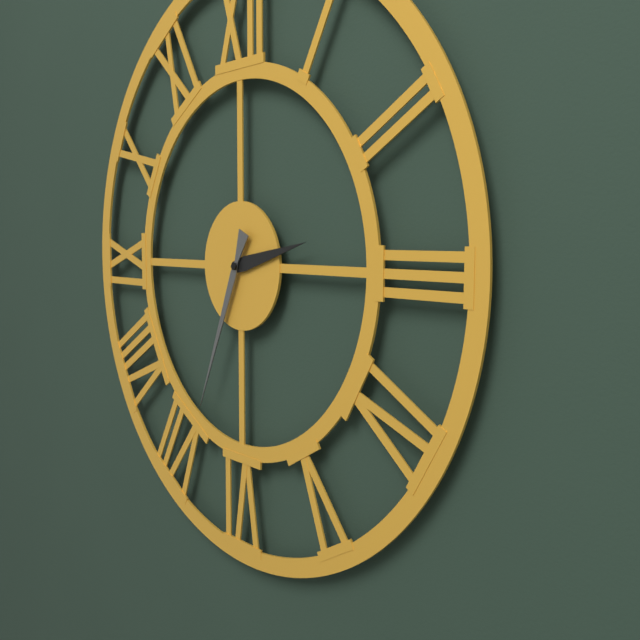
2:34
